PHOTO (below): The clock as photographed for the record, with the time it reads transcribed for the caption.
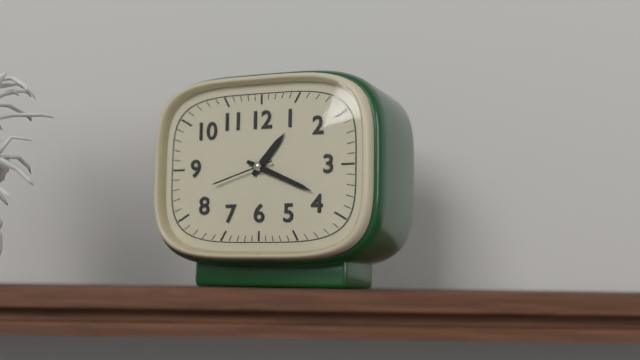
1:19:42
